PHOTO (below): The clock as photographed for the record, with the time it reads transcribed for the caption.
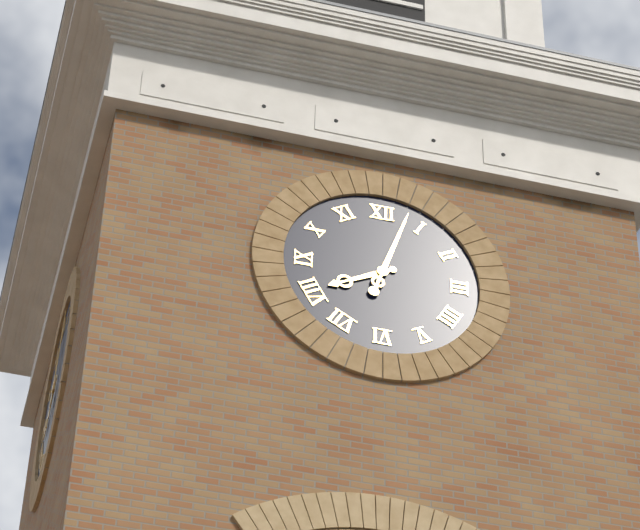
8:03
